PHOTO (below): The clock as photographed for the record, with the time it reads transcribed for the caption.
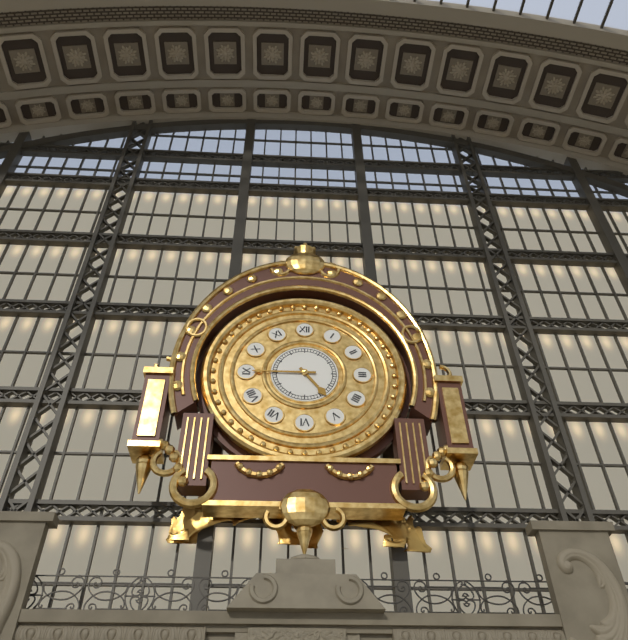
4:45
